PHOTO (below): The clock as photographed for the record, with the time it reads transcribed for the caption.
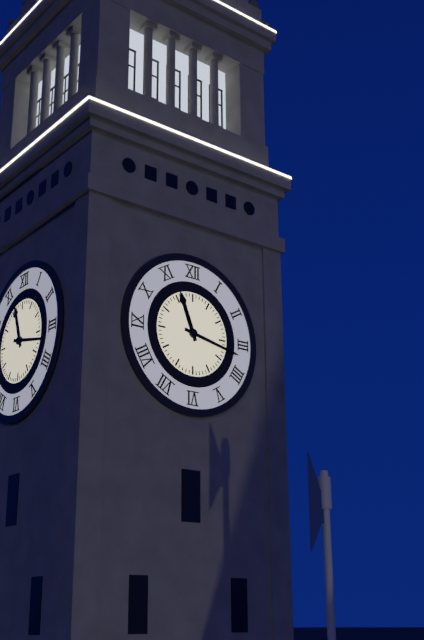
11:17
